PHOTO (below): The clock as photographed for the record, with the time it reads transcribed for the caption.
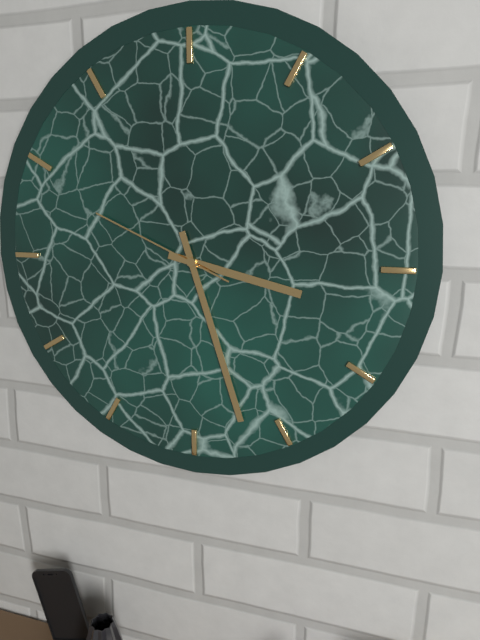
3:27:49
